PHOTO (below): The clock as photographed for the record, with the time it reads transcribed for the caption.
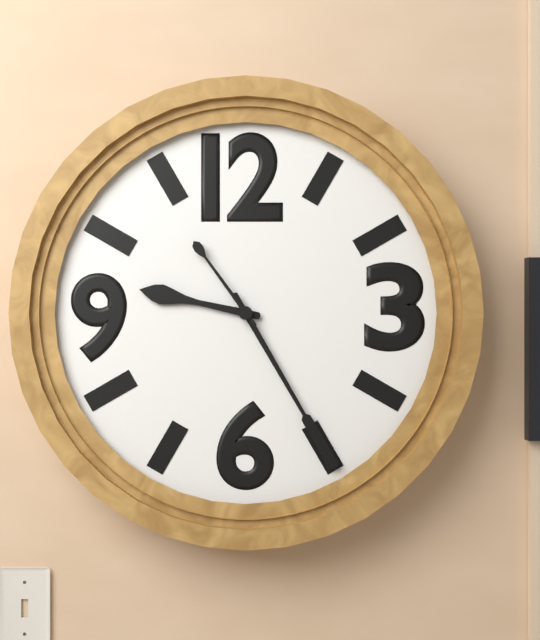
9:25:54
